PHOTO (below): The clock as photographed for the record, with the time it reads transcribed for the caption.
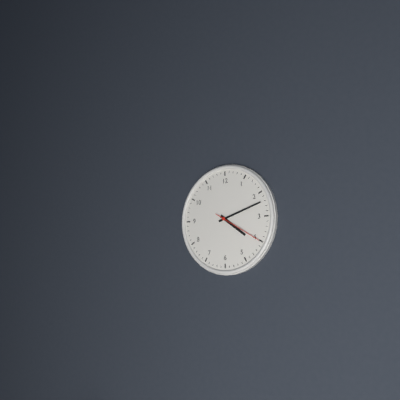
4:12:20
